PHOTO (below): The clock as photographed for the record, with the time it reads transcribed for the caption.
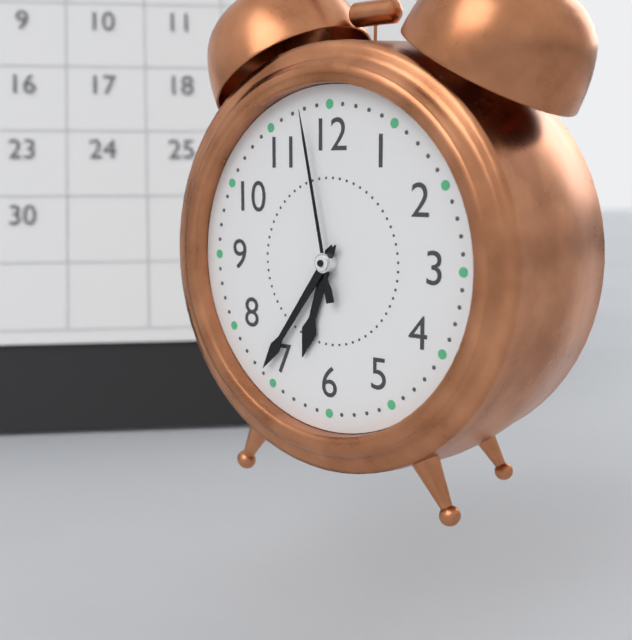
6:36:58
